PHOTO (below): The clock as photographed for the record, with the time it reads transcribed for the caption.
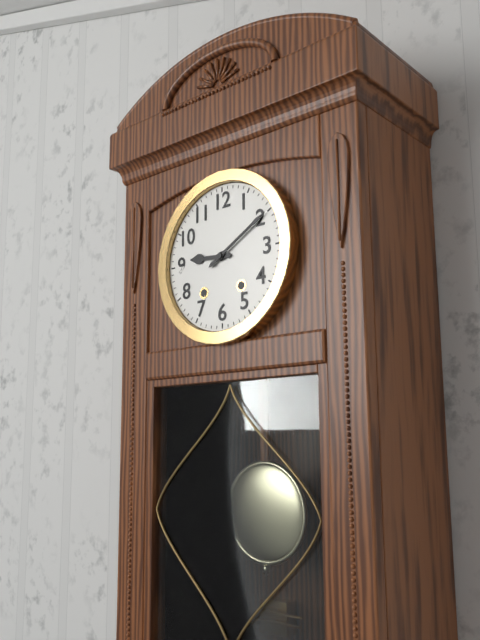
9:10
